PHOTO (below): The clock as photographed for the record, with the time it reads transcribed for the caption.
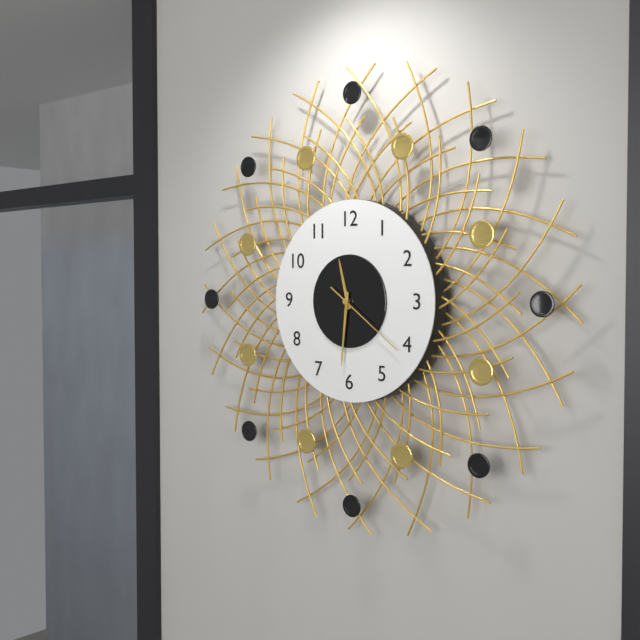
11:31:21
